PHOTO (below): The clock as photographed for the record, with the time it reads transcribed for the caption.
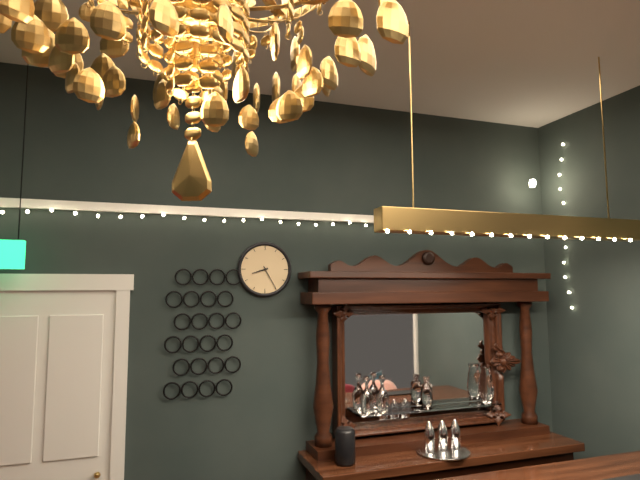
8:25
